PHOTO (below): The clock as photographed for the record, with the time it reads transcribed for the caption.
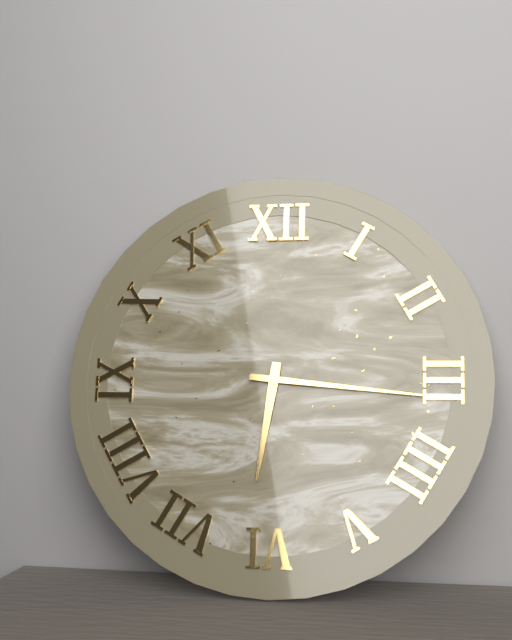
6:16
